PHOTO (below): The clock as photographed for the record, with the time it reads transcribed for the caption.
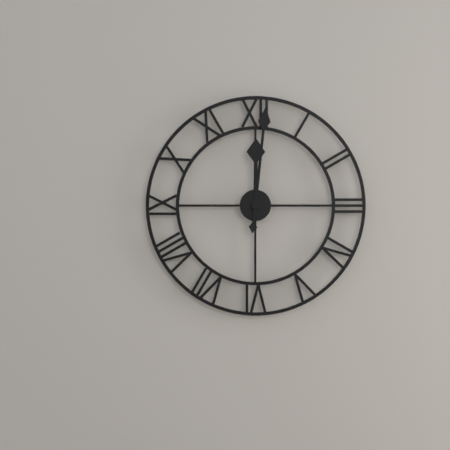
12:01
